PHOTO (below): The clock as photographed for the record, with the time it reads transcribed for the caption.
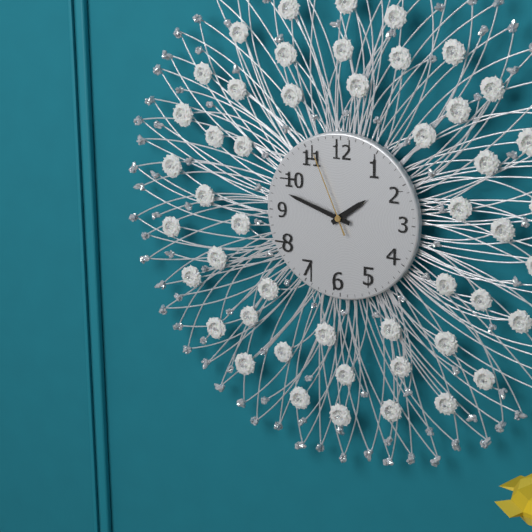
1:48:56
